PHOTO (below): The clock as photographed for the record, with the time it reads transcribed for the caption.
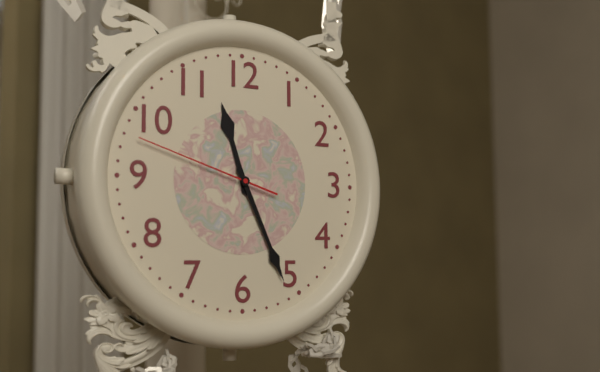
11:26:48
